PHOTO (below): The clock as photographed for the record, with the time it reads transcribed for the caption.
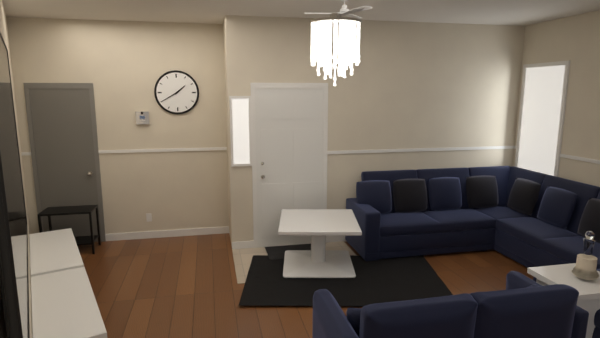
1:40
